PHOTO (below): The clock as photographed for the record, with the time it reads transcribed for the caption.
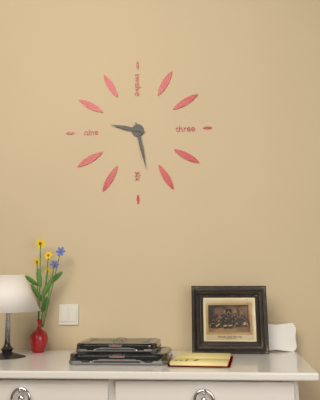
9:28
